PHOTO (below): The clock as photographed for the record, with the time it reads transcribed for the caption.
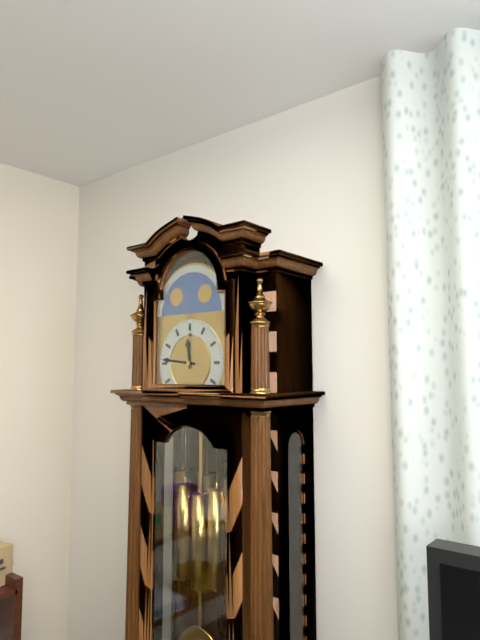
11:46
